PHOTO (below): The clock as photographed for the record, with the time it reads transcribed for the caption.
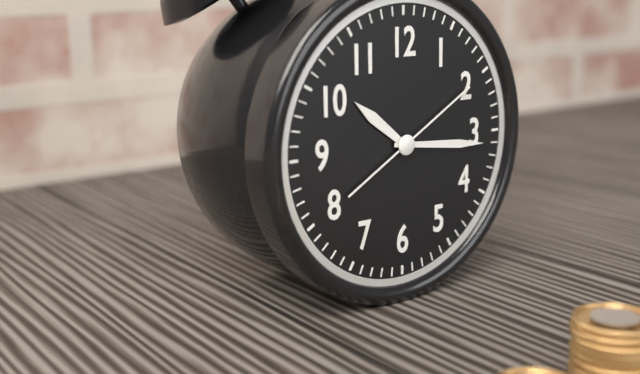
10:16:10
